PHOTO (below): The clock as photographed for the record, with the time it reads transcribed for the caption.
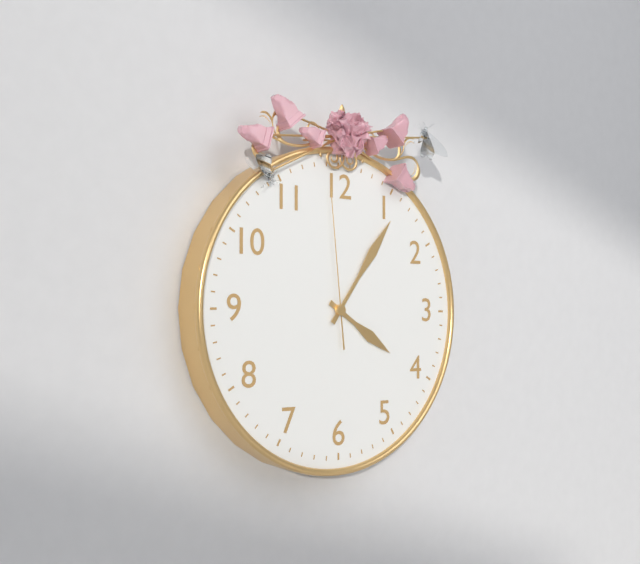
4:06:59
